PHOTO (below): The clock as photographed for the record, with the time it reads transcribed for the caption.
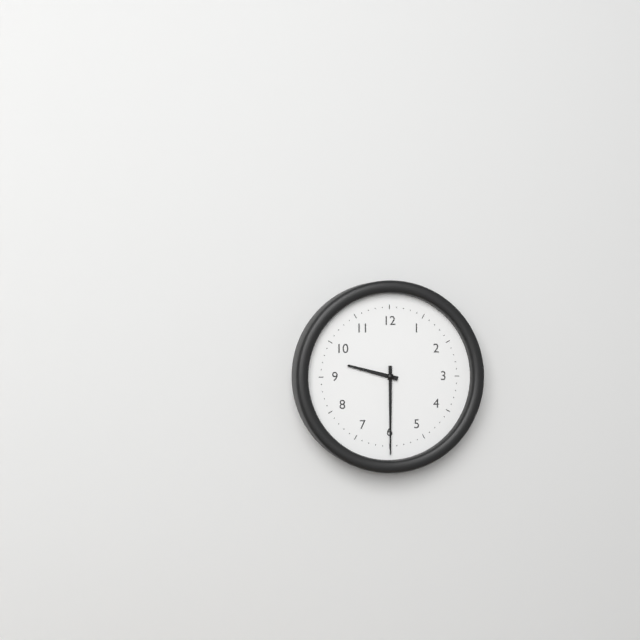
9:30
